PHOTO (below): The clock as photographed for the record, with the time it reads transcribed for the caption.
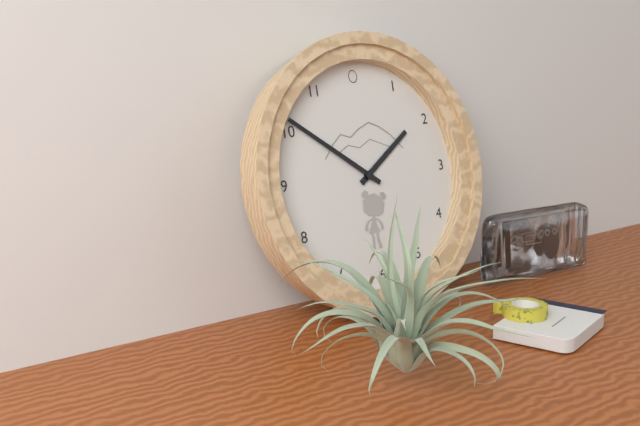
1:51
